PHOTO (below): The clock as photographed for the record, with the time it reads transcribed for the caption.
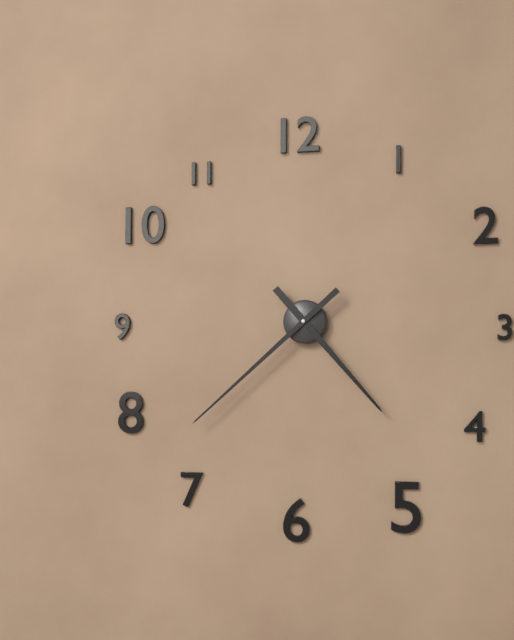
4:38
